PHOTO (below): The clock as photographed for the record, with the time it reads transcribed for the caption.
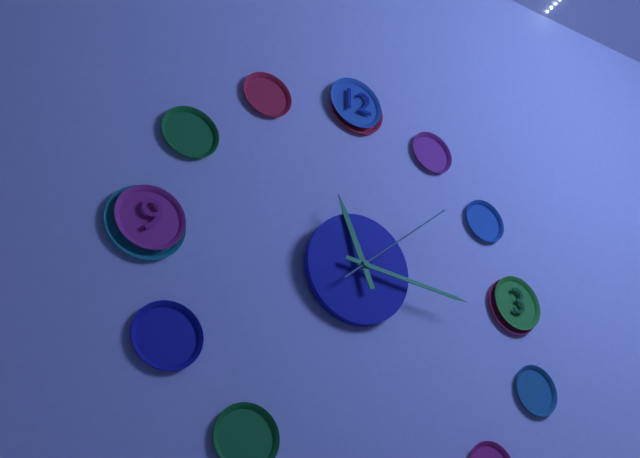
11:16:08
